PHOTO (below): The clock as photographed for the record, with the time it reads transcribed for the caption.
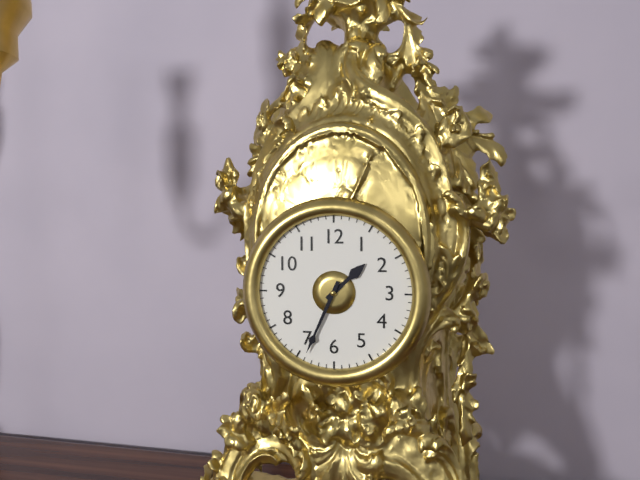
1:34
